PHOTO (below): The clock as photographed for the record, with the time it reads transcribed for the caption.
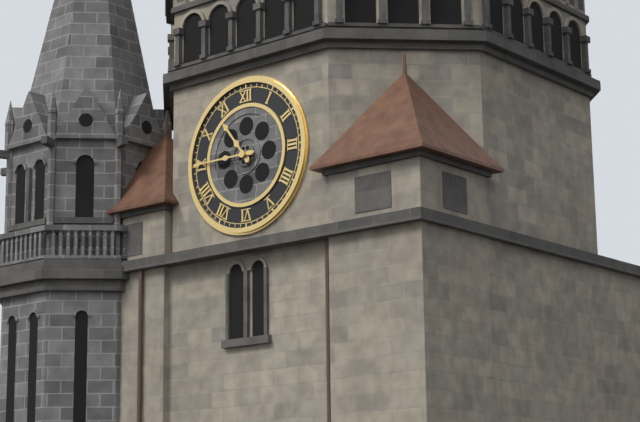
10:45
